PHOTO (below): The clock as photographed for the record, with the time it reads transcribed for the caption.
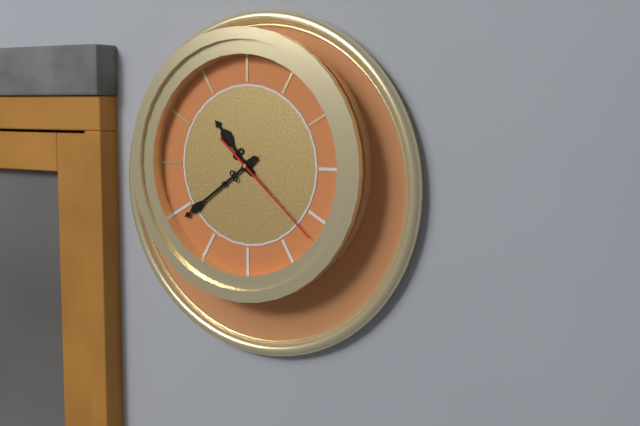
10:39:22
